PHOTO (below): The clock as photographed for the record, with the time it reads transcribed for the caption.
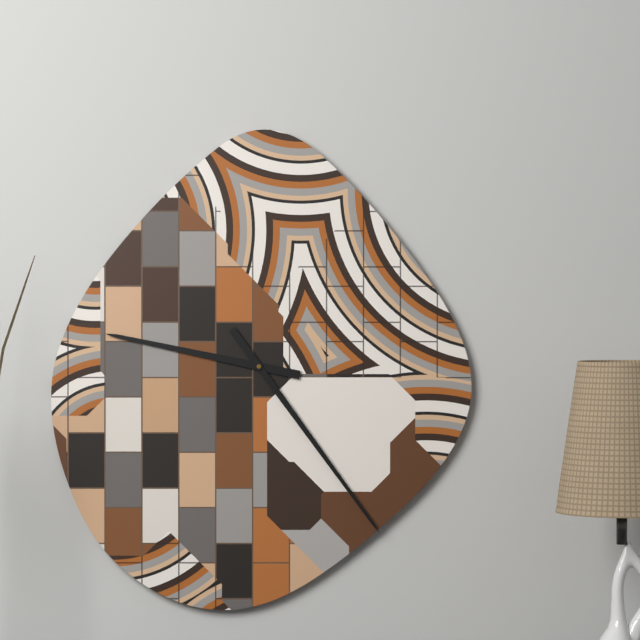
9:24
